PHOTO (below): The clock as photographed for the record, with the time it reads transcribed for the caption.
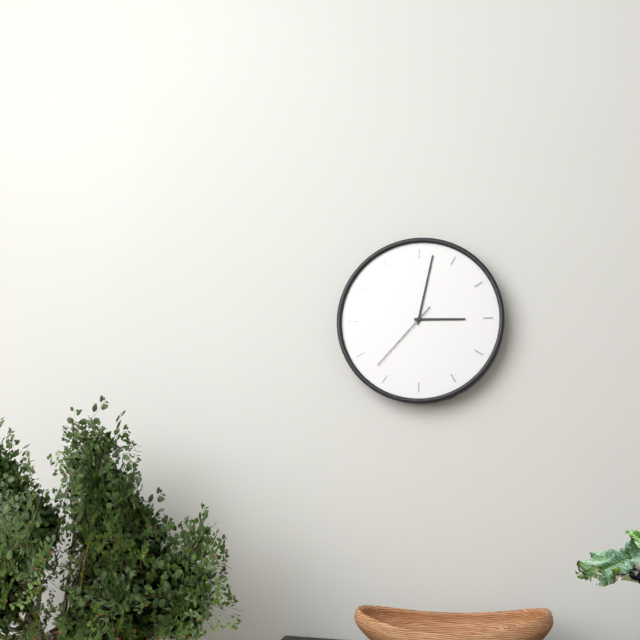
3:02:37
